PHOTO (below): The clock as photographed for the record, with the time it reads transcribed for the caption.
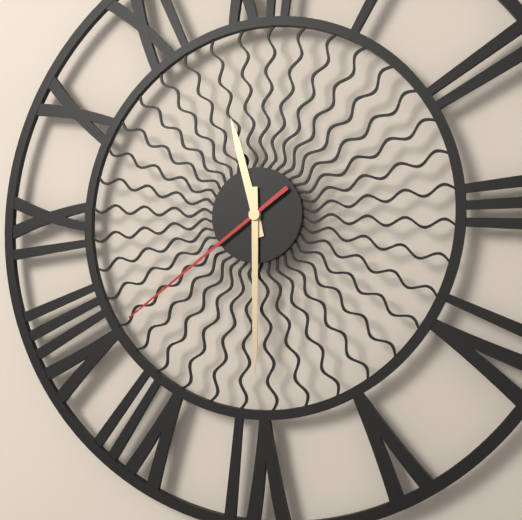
11:30:39
